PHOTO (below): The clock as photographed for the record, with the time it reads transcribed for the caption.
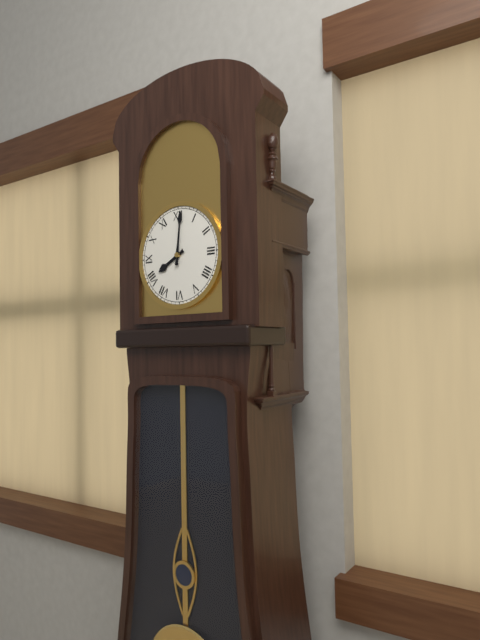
8:01
